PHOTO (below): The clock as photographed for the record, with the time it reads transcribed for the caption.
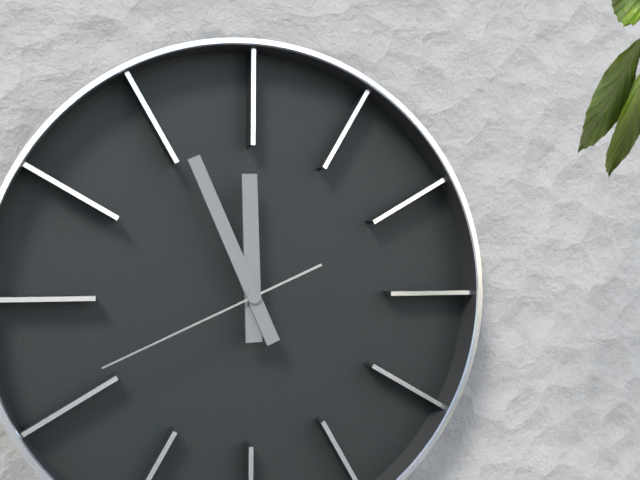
11:56:41
